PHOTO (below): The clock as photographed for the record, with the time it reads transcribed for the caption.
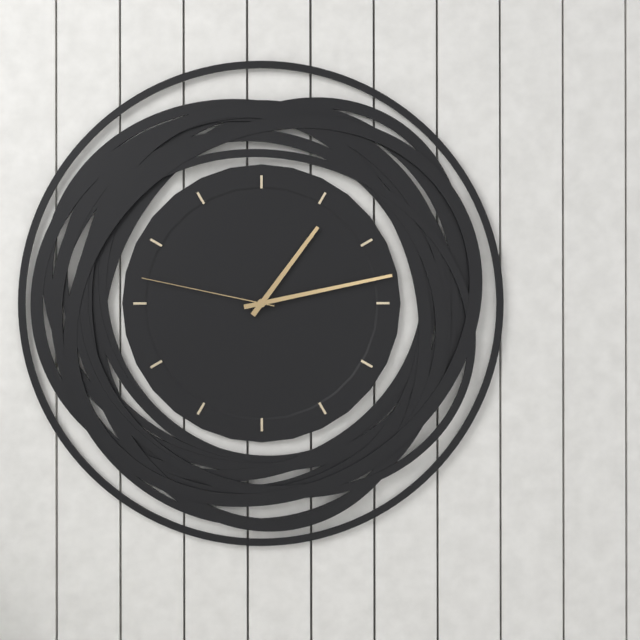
1:13:47
